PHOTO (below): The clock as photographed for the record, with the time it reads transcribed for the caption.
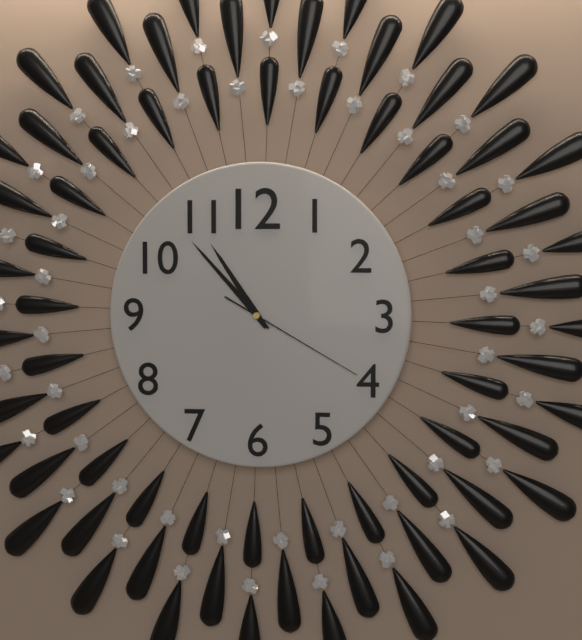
10:53:20
